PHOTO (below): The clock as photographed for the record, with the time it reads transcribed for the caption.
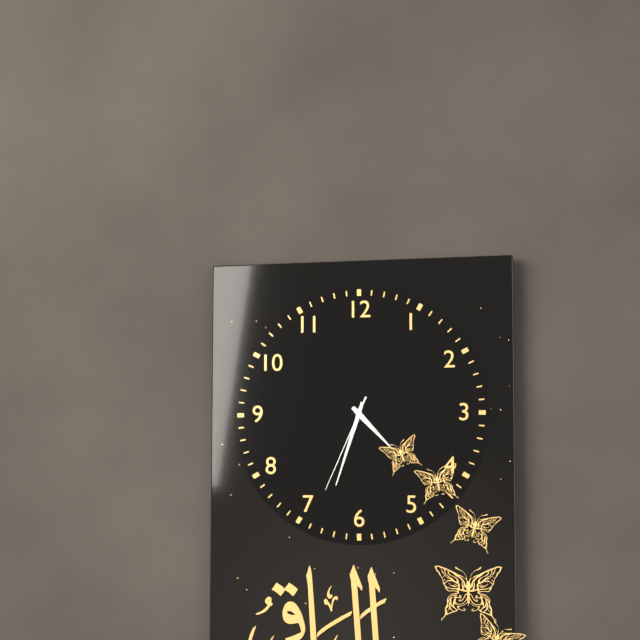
4:33:34
